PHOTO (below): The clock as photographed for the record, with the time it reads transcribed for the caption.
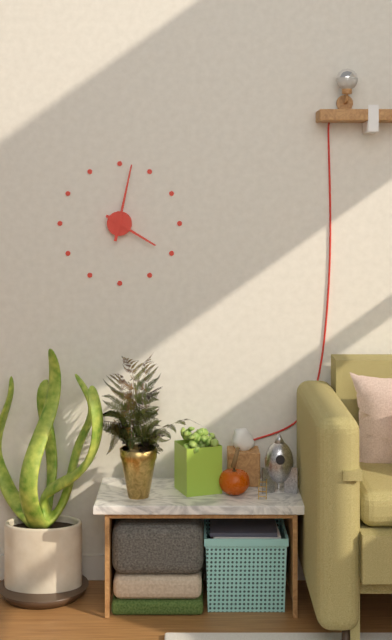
4:02
